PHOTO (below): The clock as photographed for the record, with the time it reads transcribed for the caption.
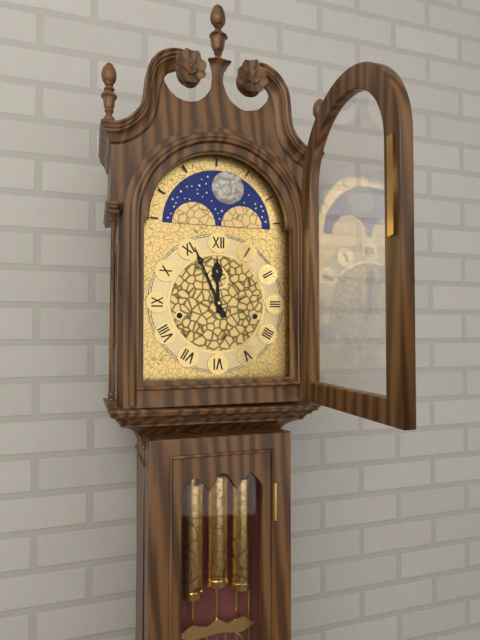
11:56
